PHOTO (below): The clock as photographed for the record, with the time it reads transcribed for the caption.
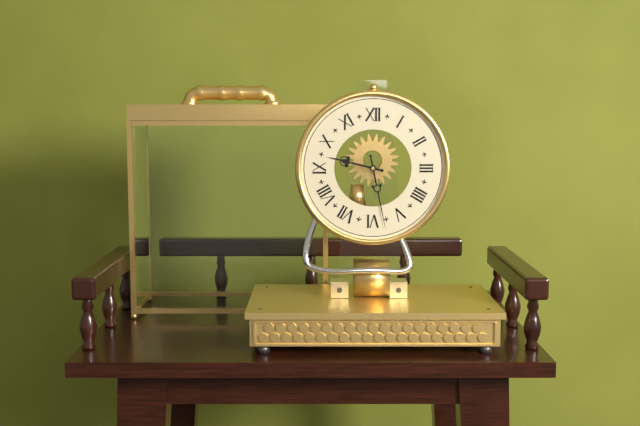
9:28
